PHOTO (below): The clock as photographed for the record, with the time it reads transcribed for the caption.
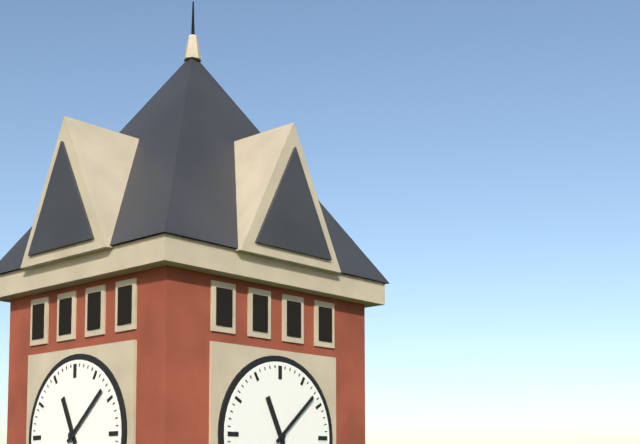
11:08
